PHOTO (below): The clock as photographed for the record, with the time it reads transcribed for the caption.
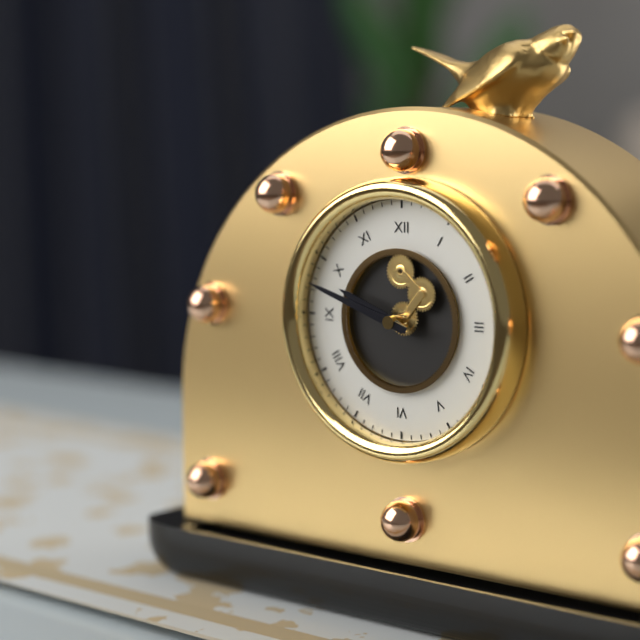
9:48
